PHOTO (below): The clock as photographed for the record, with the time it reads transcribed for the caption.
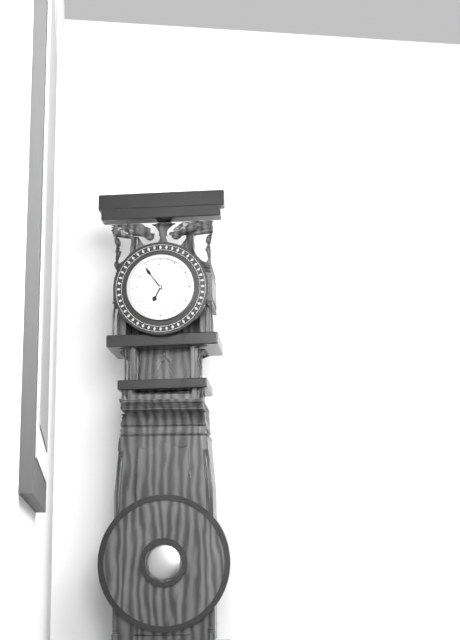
6:54
